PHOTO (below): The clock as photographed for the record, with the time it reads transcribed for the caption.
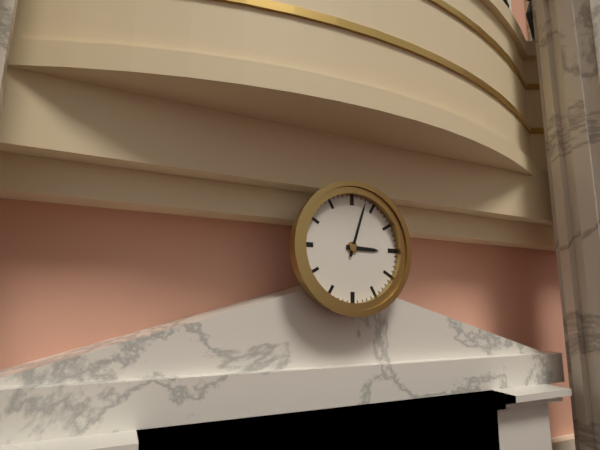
3:03
